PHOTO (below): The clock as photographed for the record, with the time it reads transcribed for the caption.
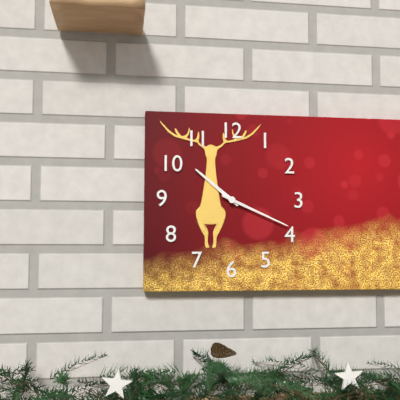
10:19
